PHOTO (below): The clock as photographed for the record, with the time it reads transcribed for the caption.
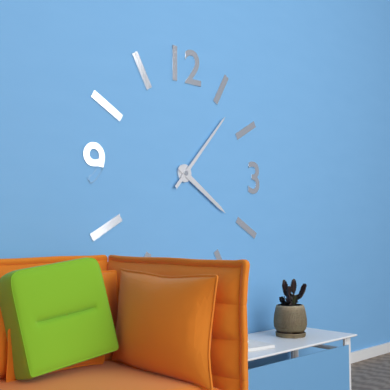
4:07
